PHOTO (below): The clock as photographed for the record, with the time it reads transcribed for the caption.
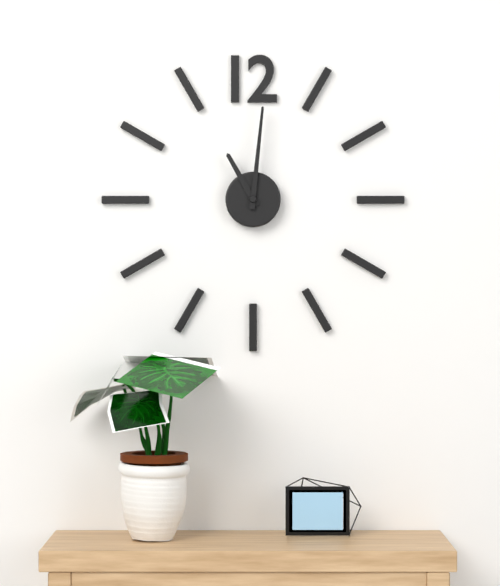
11:01
